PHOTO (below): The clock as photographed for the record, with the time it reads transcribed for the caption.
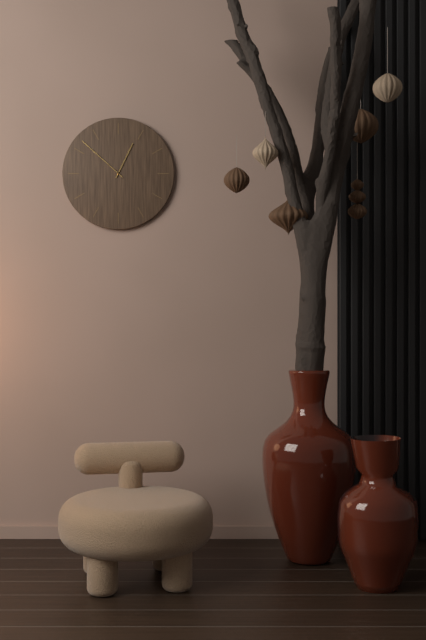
12:52
